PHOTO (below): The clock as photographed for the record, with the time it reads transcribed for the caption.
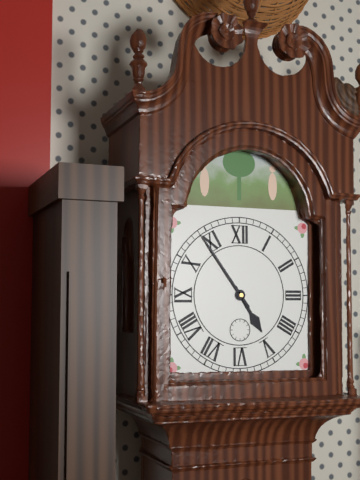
4:54
